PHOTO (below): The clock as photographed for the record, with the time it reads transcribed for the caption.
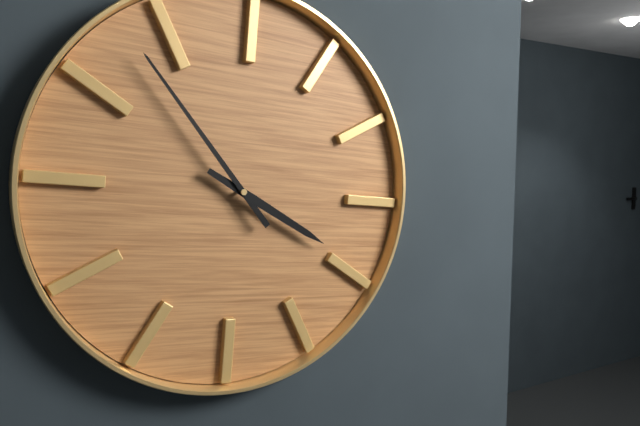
3:53
